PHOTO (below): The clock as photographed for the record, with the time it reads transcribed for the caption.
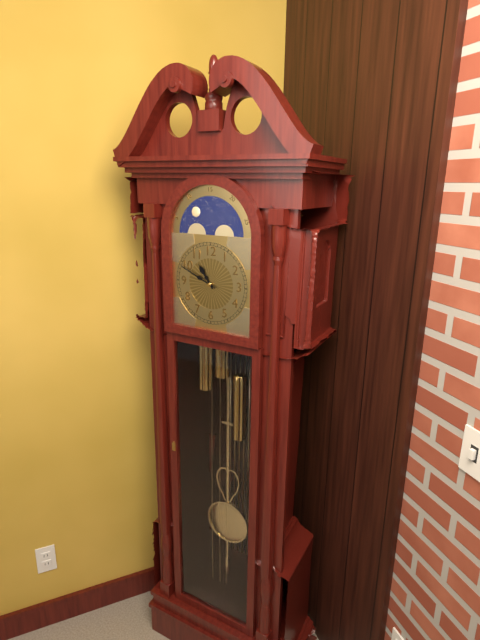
10:49
